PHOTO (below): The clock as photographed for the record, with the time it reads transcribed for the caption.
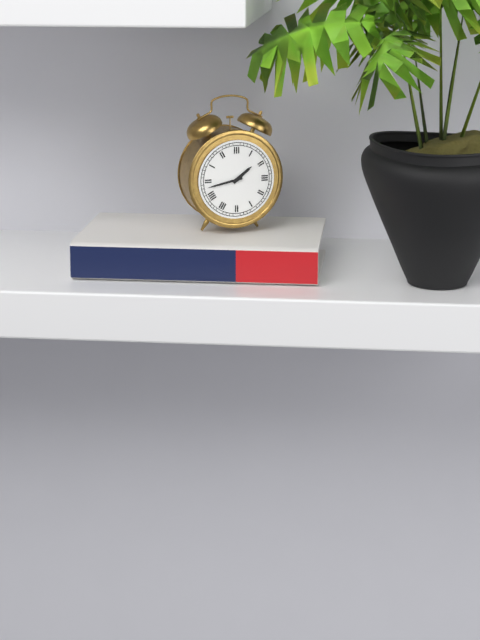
1:43
